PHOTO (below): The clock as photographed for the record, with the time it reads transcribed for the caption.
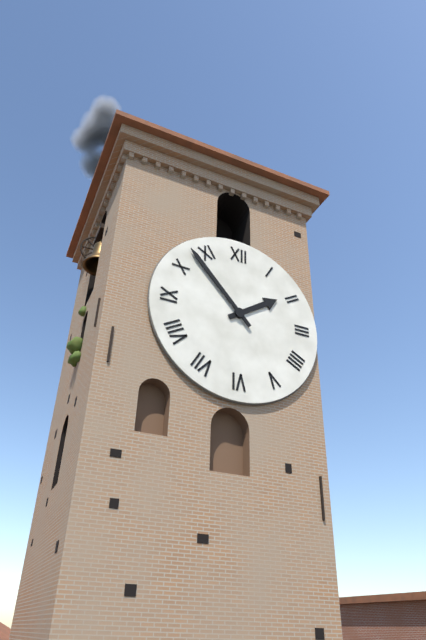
1:53
